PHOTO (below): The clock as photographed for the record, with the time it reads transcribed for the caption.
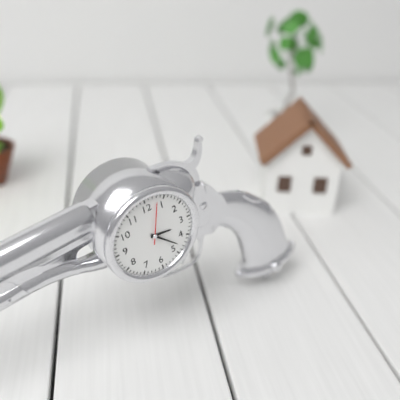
3:23
